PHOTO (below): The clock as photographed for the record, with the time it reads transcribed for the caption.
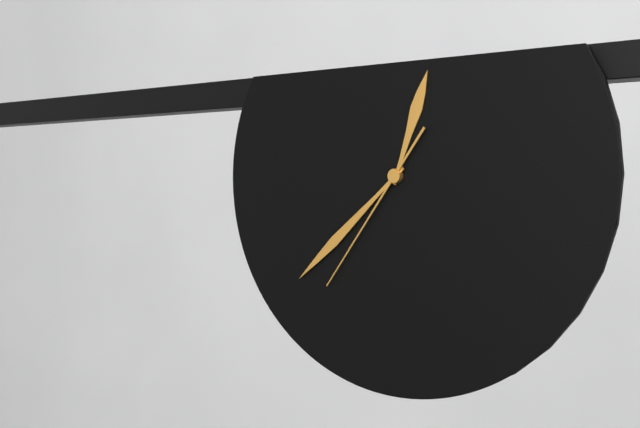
12:38:36
